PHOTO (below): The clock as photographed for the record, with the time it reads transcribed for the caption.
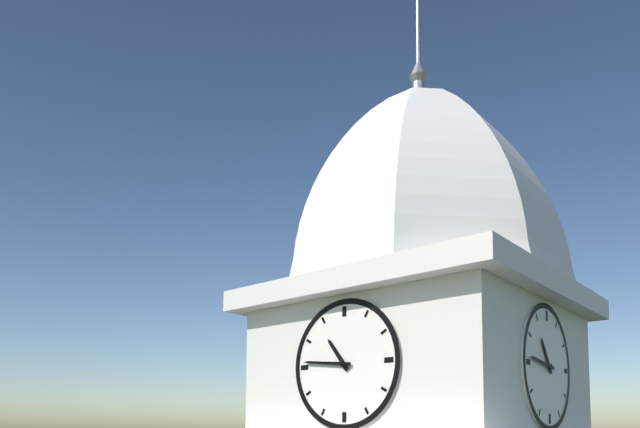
10:46
